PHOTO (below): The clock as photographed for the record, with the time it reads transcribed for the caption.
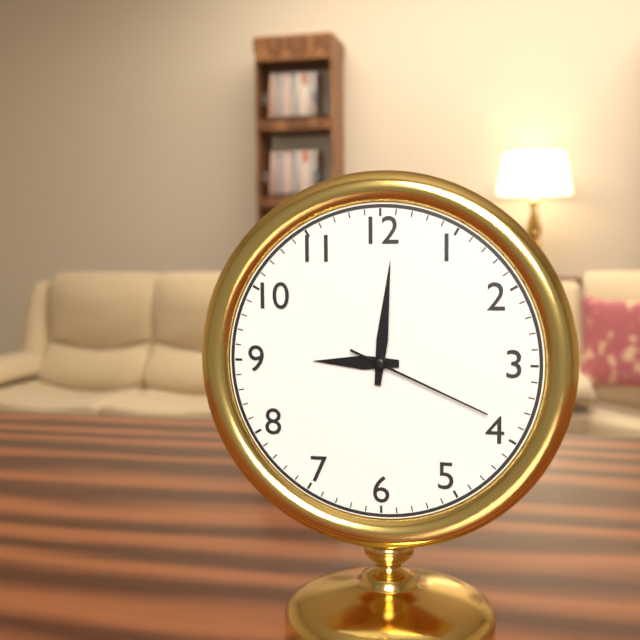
9:01:19
